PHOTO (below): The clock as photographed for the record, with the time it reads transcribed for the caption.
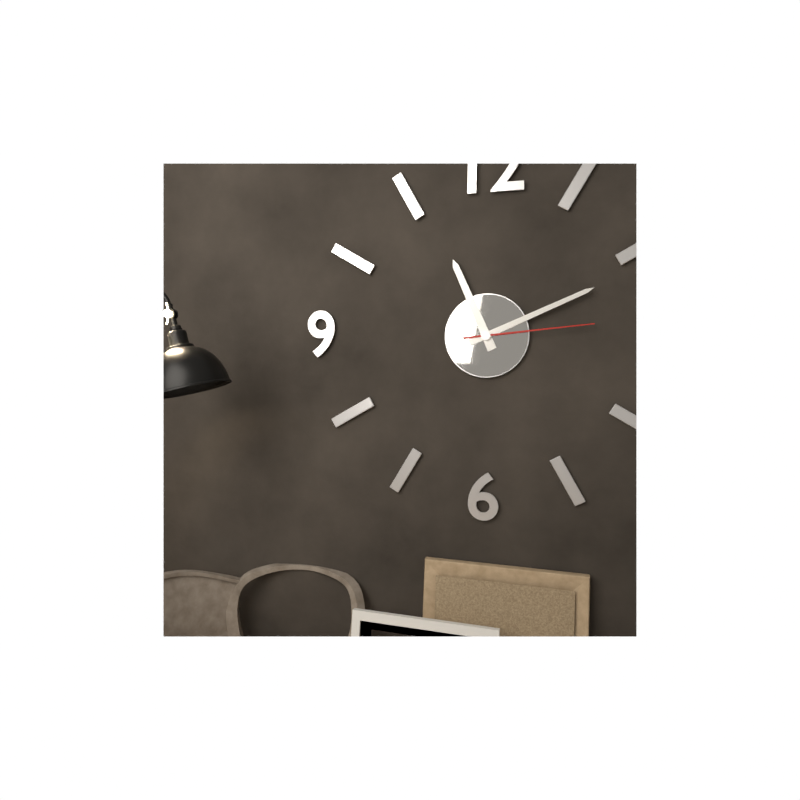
11:11:14
